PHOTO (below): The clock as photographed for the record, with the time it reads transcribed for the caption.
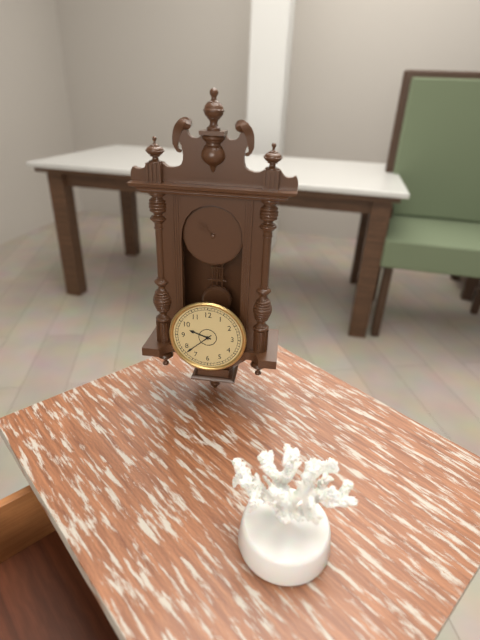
9:38
